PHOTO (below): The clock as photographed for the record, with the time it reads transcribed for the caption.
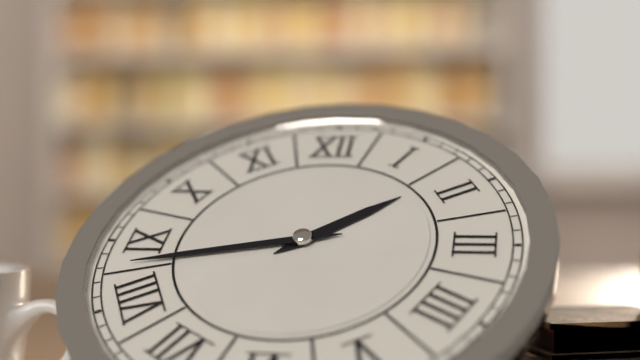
1:43
